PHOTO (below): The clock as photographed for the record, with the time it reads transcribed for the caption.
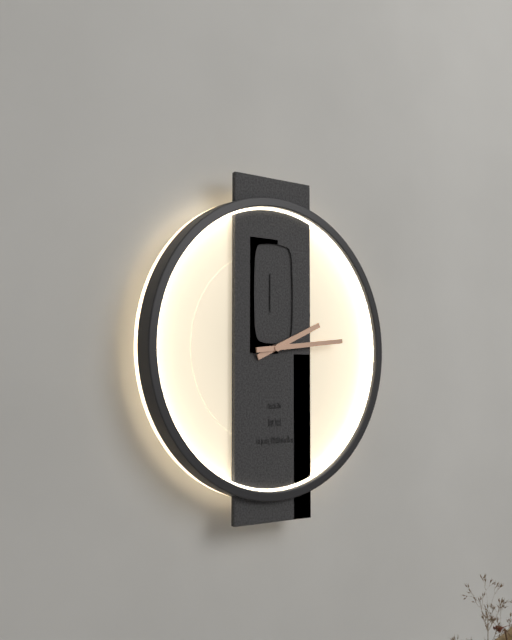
2:14
